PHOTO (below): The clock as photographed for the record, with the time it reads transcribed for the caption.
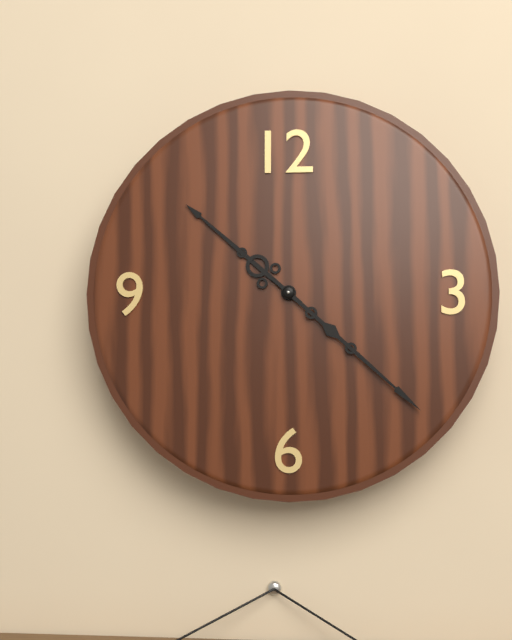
10:22
